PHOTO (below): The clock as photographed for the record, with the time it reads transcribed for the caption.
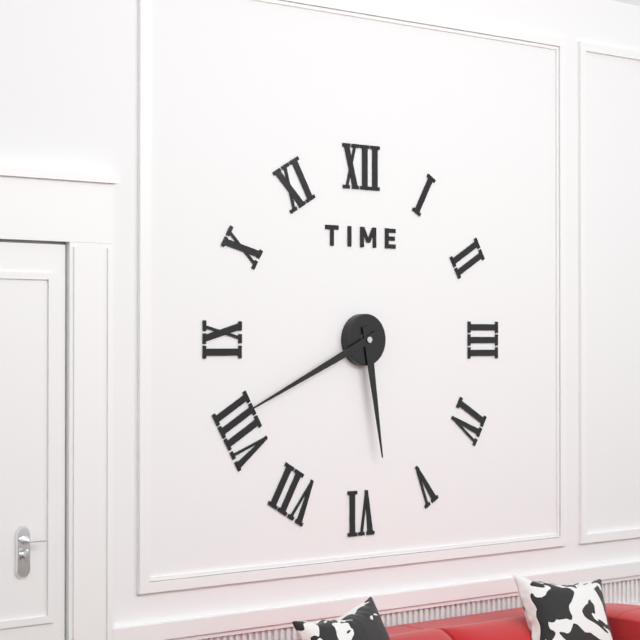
5:41
